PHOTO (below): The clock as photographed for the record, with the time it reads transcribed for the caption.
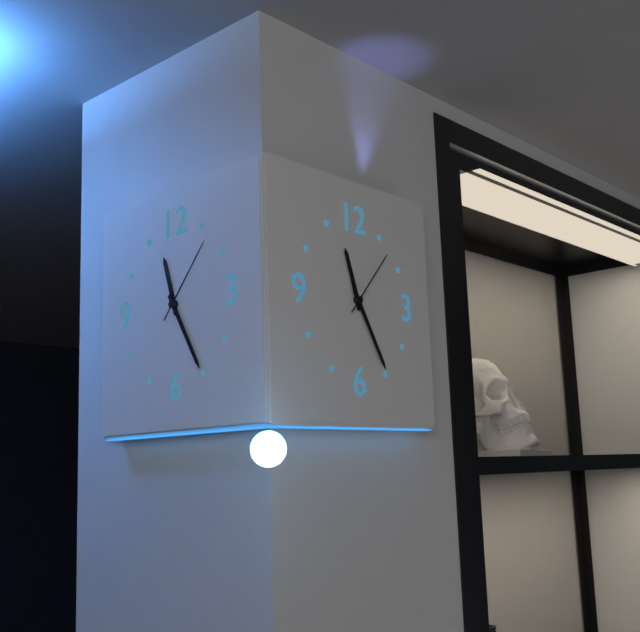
11:25:07
